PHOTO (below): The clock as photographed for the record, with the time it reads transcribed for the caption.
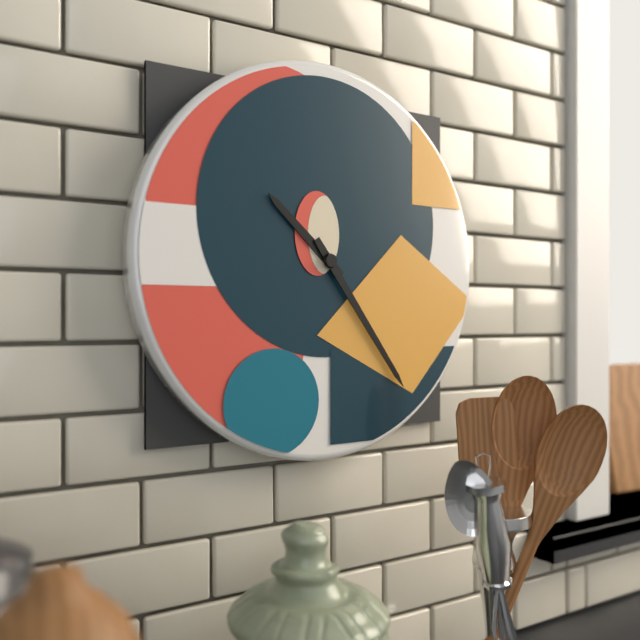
10:24
